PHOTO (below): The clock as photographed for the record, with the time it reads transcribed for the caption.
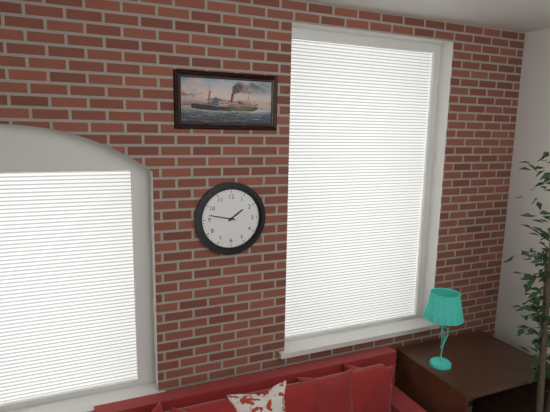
1:47
